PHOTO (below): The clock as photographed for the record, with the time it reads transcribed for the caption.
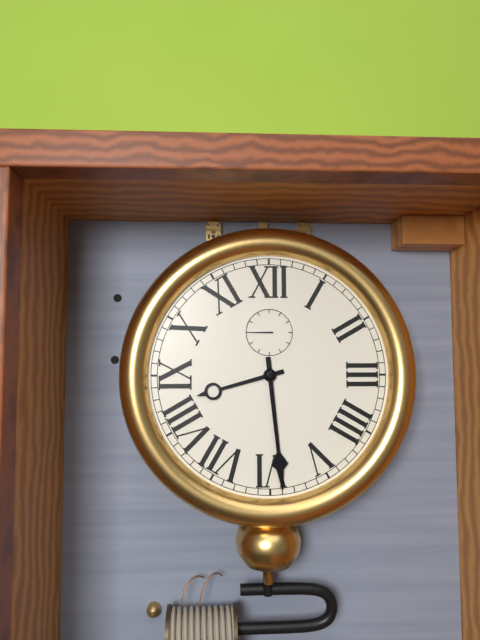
8:29
